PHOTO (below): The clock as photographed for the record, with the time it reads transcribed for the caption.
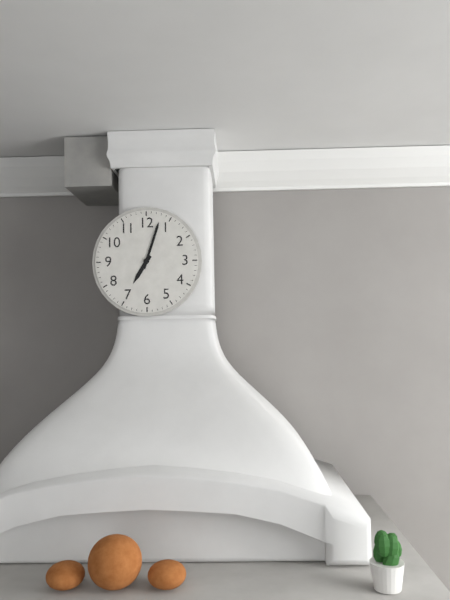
7:03
